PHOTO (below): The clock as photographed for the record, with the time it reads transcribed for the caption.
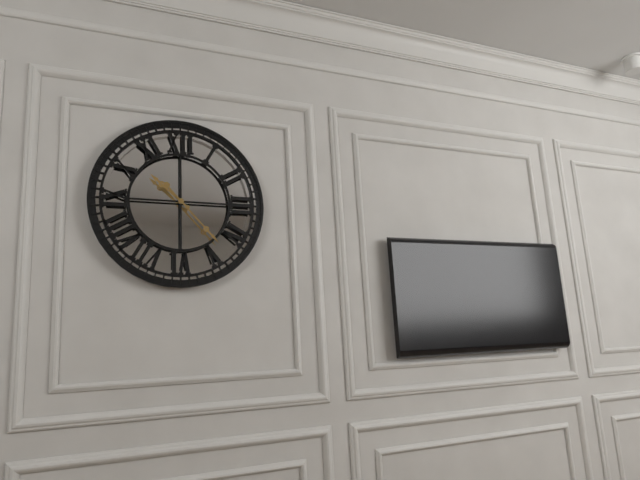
10:23
